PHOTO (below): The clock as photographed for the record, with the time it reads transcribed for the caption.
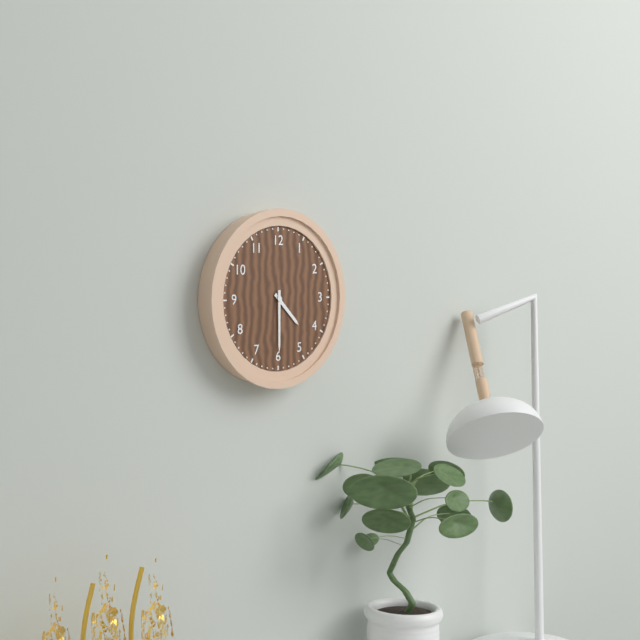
4:30
